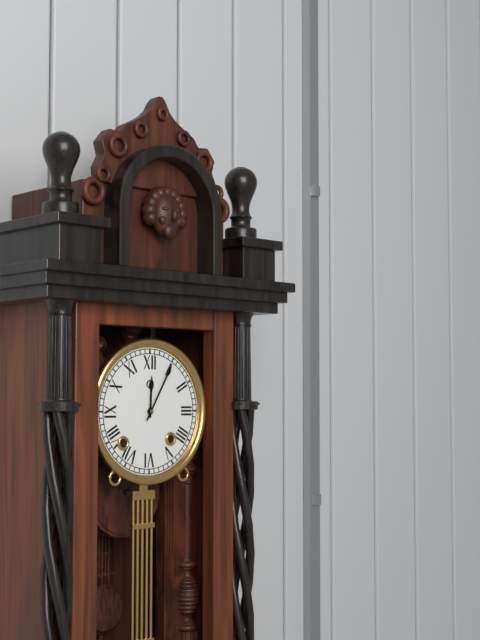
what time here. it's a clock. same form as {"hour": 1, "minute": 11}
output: {"hour": 12, "minute": 5}
